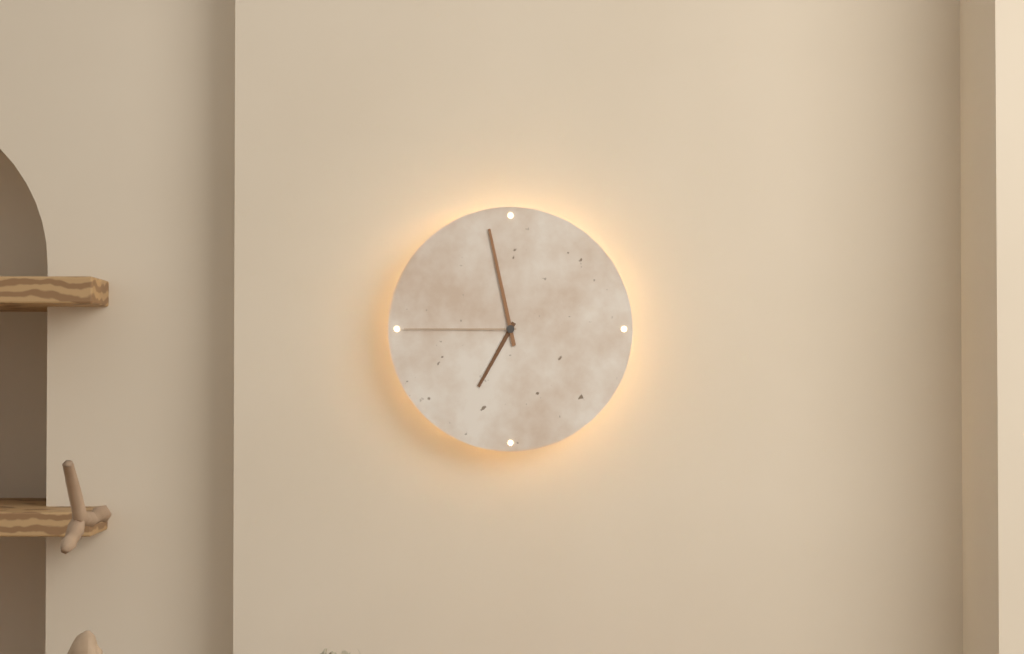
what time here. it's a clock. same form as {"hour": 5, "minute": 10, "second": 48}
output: {"hour": 6, "minute": 58, "second": 45}
